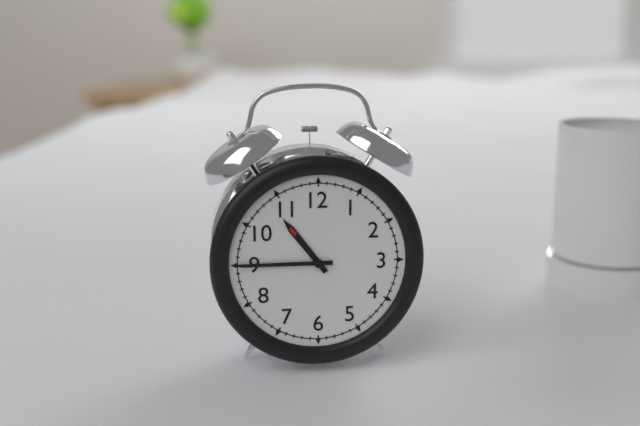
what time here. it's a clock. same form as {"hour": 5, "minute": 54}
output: {"hour": 10, "minute": 45}
